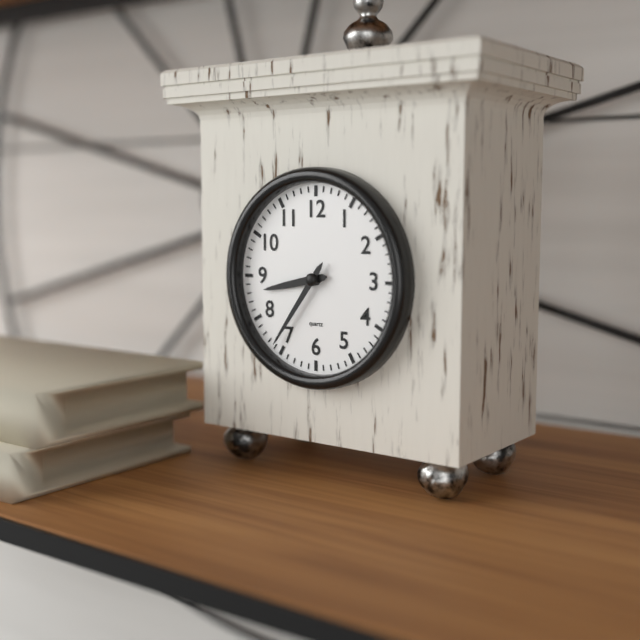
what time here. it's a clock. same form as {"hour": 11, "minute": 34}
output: {"hour": 8, "minute": 36}
